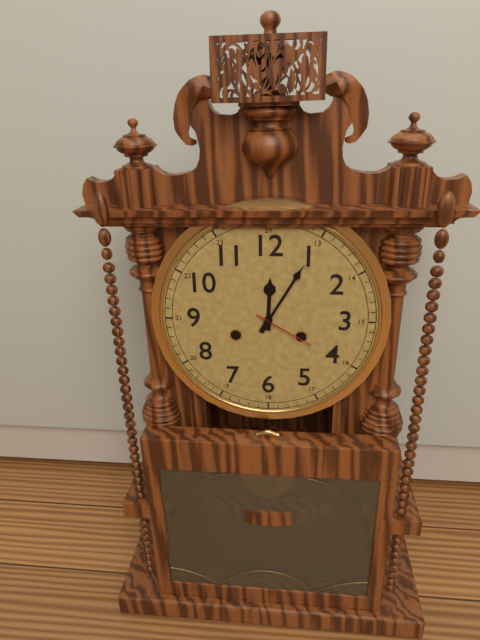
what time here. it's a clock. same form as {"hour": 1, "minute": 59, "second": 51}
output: {"hour": 12, "minute": 5, "second": 20}
